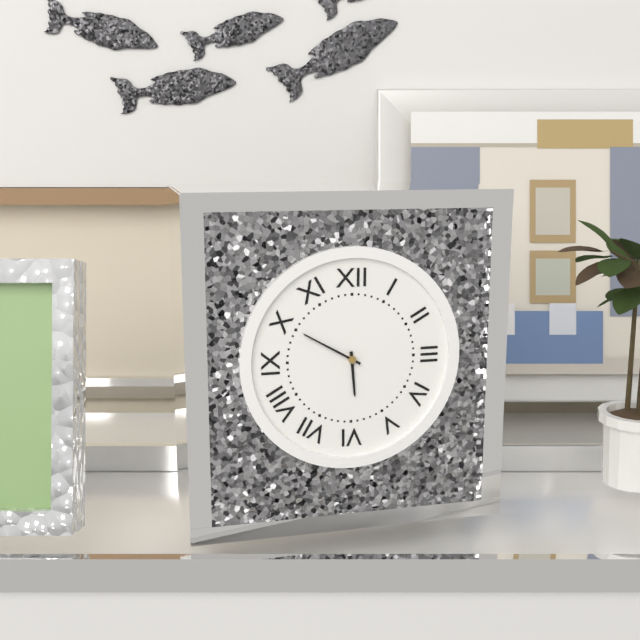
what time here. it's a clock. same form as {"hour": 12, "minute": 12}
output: {"hour": 5, "minute": 50}
